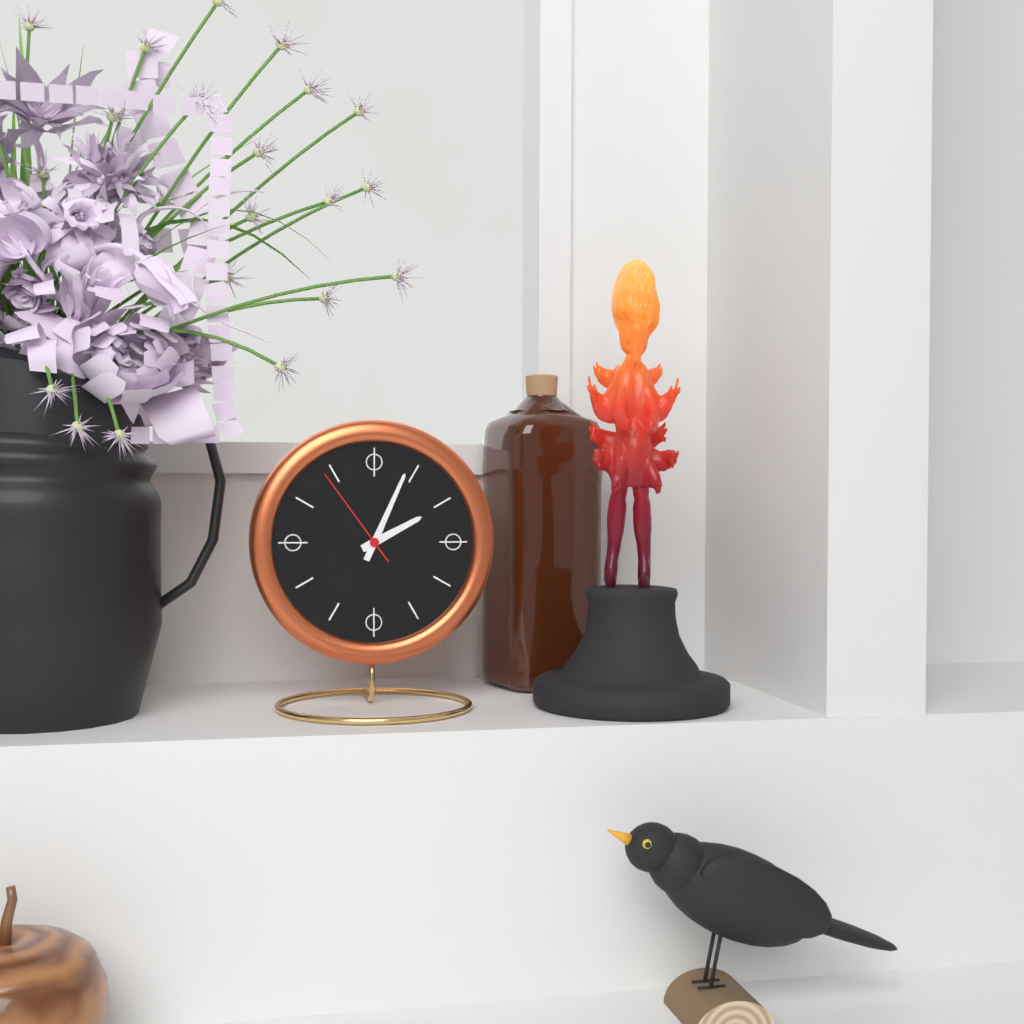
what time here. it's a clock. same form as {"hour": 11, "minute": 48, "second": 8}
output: {"hour": 2, "minute": 4, "second": 54}
